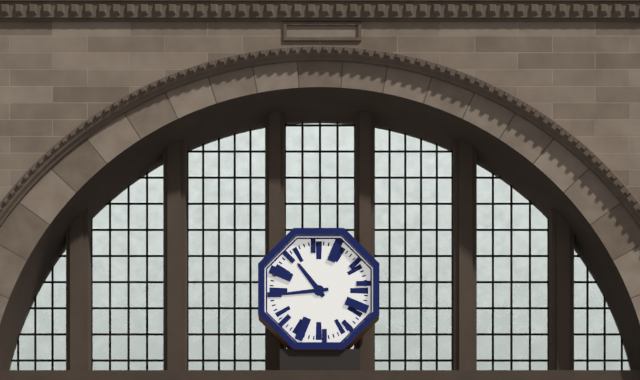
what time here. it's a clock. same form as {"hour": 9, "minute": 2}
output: {"hour": 10, "minute": 44}
